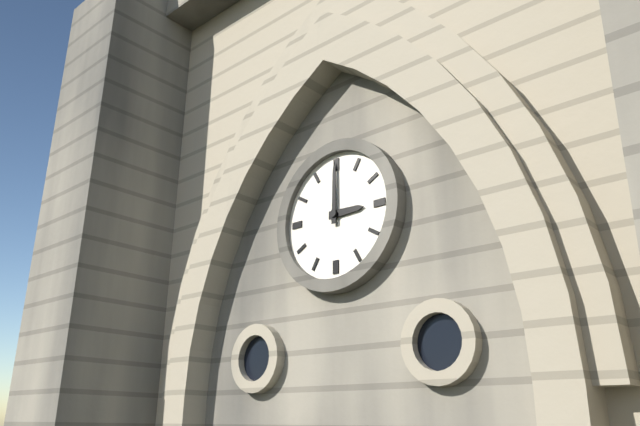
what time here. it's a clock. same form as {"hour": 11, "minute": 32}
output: {"hour": 3, "minute": 0}
